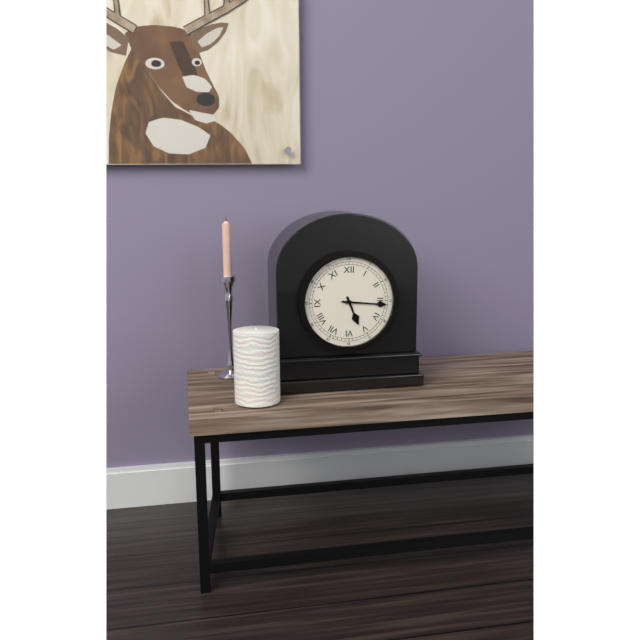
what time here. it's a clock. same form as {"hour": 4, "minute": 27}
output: {"hour": 5, "minute": 16}
